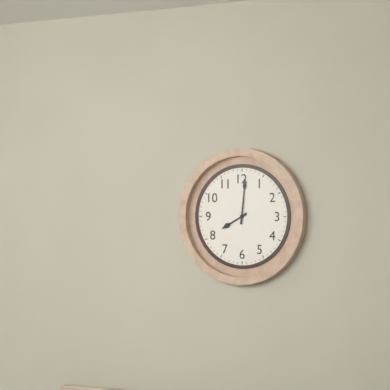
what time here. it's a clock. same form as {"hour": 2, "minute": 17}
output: {"hour": 8, "minute": 1}
